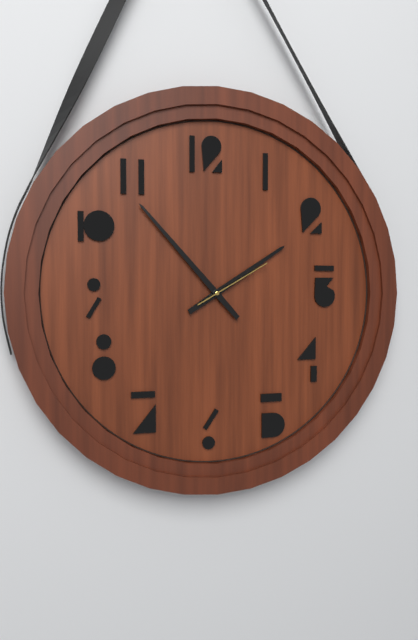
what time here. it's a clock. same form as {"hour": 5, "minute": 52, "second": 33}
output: {"hour": 1, "minute": 53, "second": 10}
